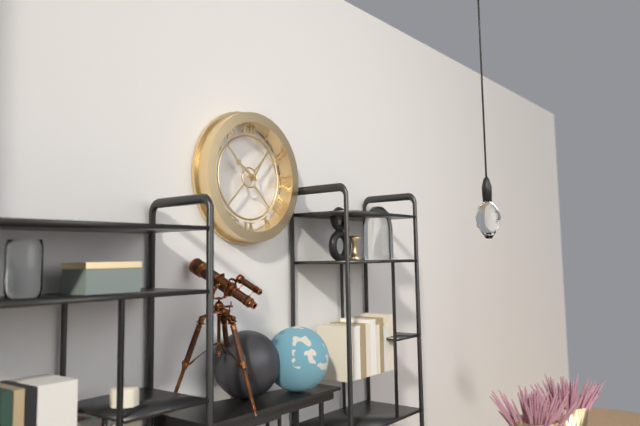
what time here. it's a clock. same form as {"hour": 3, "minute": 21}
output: {"hour": 10, "minute": 6}
